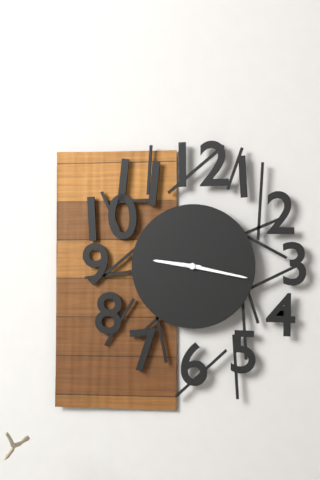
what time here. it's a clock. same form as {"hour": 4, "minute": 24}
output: {"hour": 9, "minute": 17}
